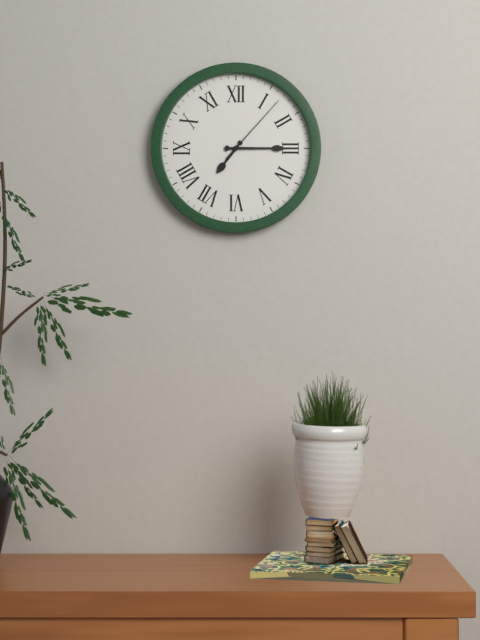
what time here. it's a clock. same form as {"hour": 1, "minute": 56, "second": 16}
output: {"hour": 7, "minute": 15, "second": 7}
